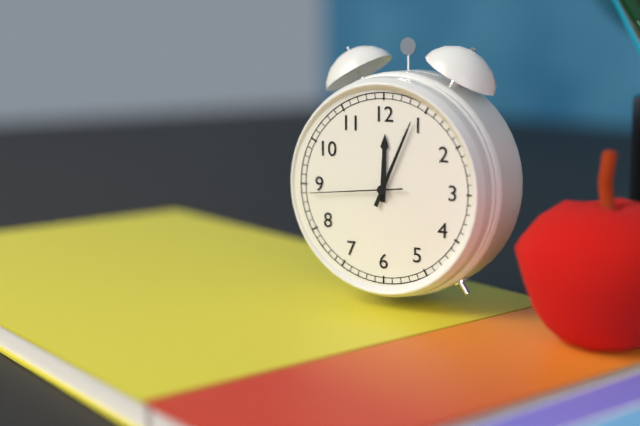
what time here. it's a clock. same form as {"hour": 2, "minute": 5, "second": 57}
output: {"hour": 12, "minute": 4, "second": 44}
